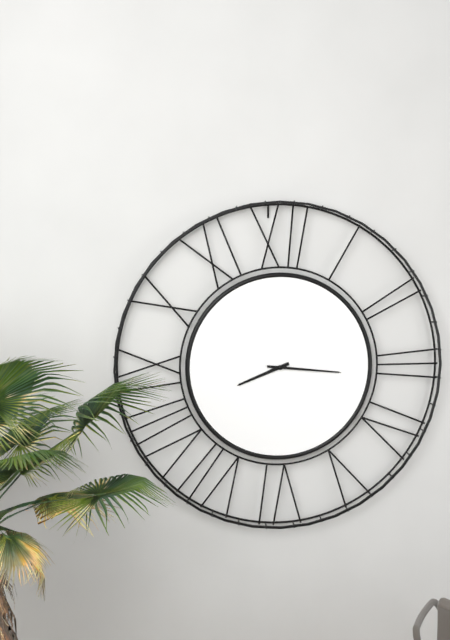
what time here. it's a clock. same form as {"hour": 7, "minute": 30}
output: {"hour": 8, "minute": 16}
